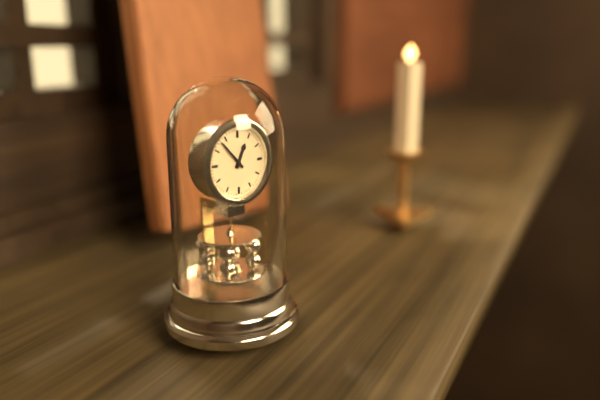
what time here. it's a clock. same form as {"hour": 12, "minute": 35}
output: {"hour": 12, "minute": 53}
